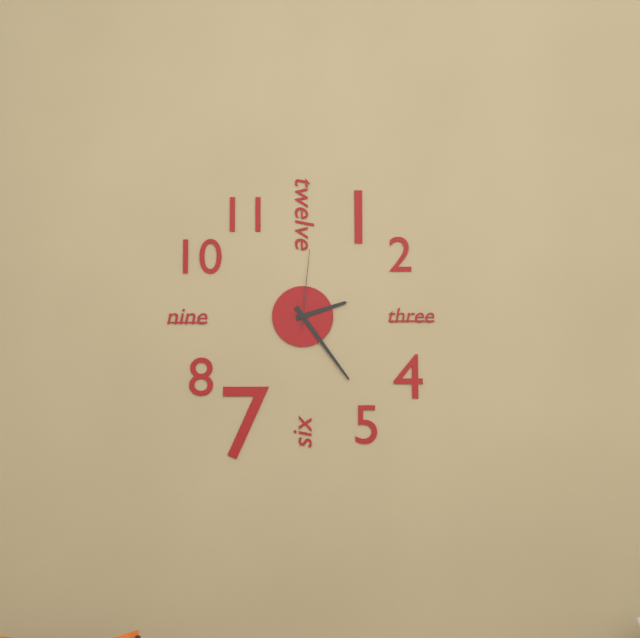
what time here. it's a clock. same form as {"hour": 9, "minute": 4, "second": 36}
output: {"hour": 2, "minute": 24, "second": 1}
